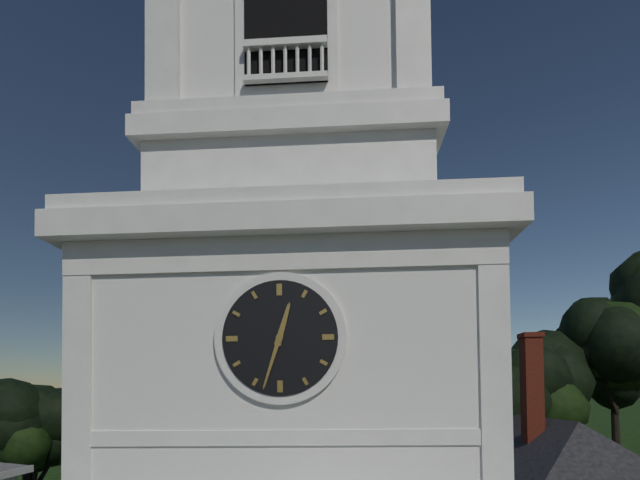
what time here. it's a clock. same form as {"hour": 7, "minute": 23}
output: {"hour": 12, "minute": 33}
